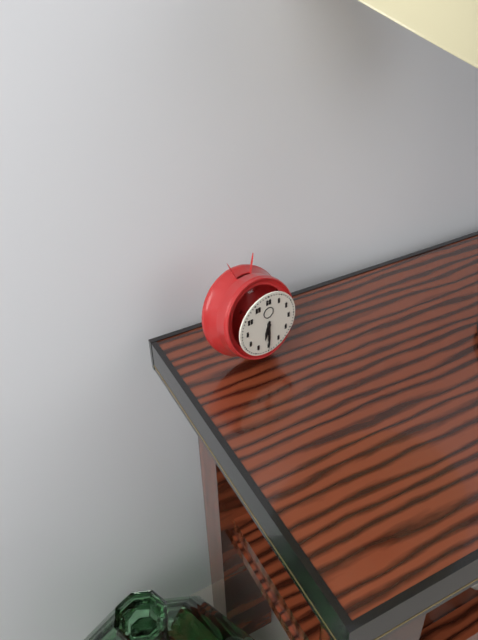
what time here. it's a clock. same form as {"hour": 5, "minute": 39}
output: {"hour": 6, "minute": 30}
